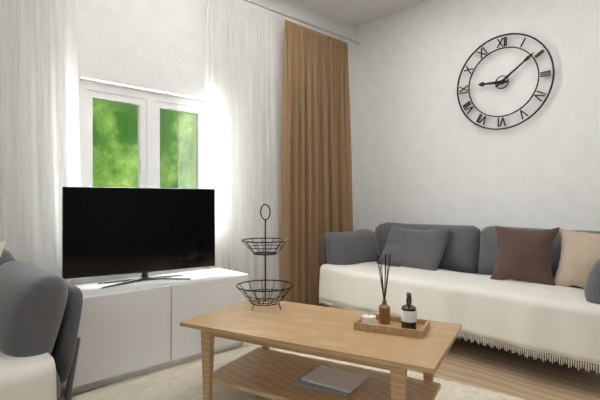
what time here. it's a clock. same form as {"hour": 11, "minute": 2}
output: {"hour": 9, "minute": 9}
